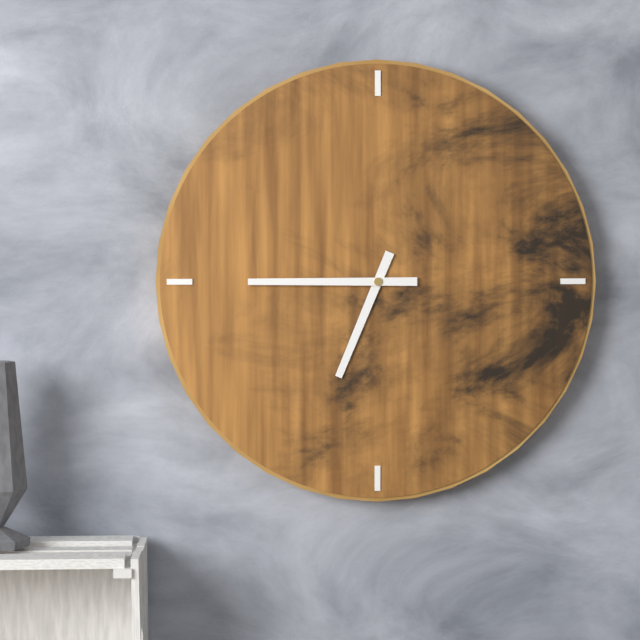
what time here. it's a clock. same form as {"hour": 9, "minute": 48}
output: {"hour": 6, "minute": 45}
